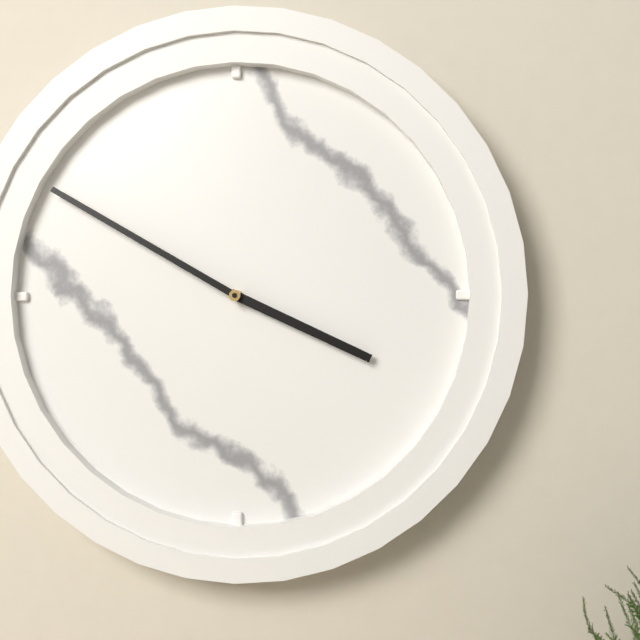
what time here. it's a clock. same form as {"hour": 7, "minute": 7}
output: {"hour": 3, "minute": 50}
